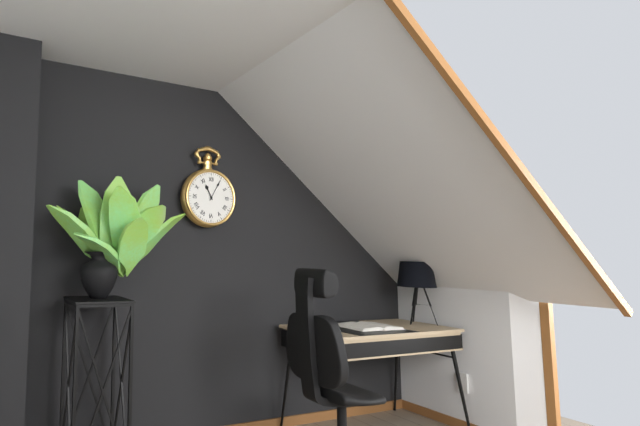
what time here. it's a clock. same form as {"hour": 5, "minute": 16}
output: {"hour": 11, "minute": 5}
